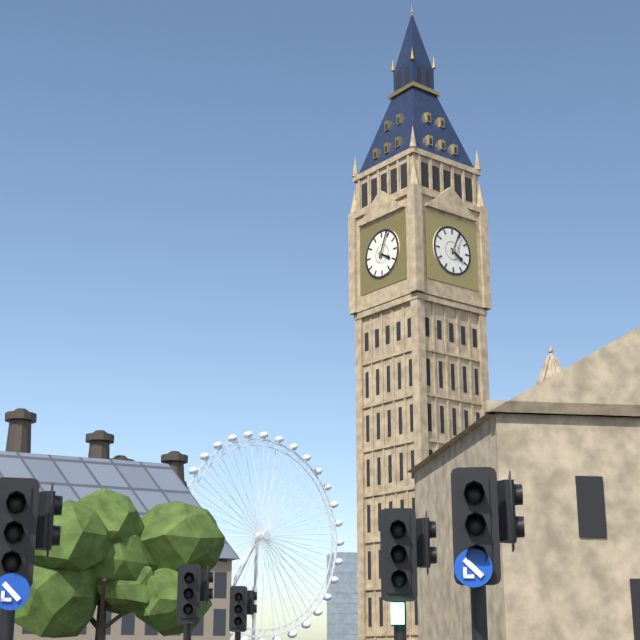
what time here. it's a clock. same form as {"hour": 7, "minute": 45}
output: {"hour": 4, "minute": 4}
